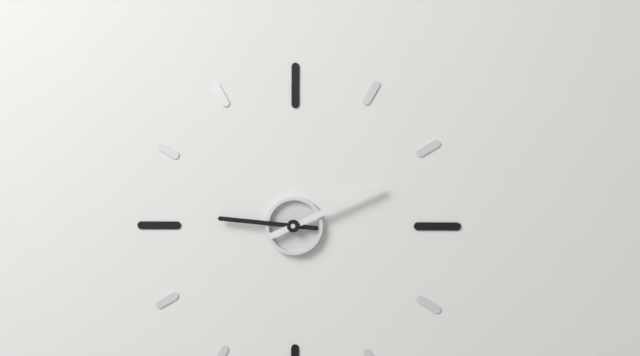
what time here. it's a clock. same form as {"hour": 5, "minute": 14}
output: {"hour": 9, "minute": 11}
